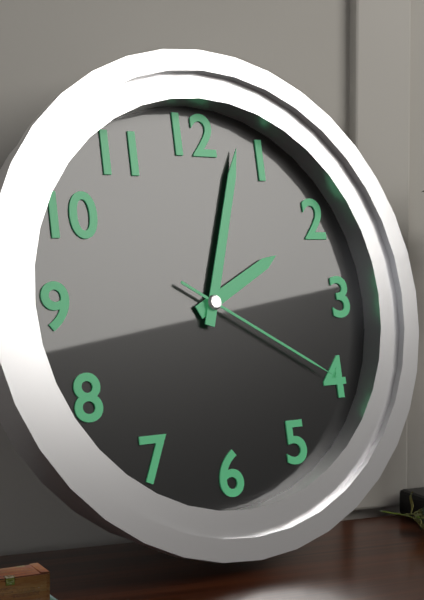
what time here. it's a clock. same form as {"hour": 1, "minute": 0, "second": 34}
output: {"hour": 2, "minute": 3, "second": 20}
